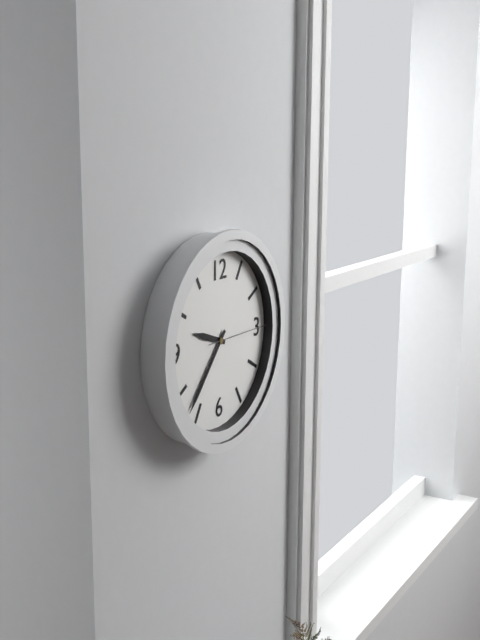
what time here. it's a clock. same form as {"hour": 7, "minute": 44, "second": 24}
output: {"hour": 9, "minute": 37, "second": 15}
